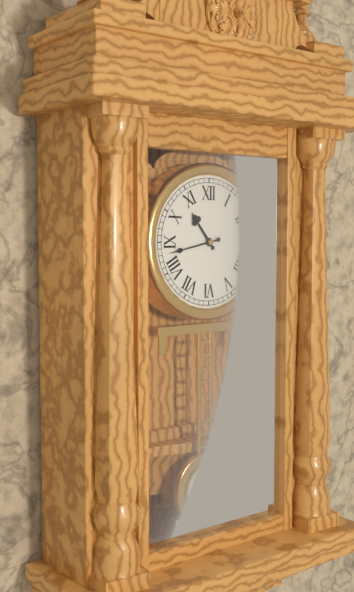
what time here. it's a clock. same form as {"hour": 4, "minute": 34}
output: {"hour": 10, "minute": 43}
